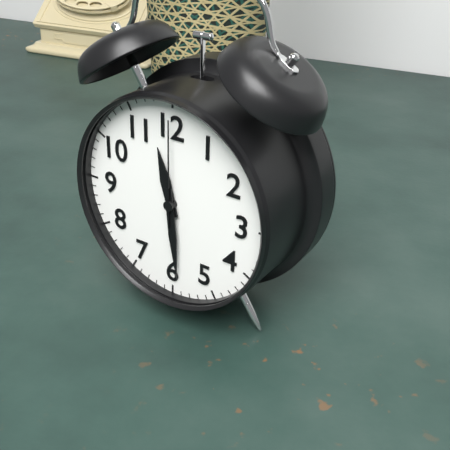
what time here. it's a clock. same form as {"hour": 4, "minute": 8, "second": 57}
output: {"hour": 11, "minute": 29, "second": 0}
